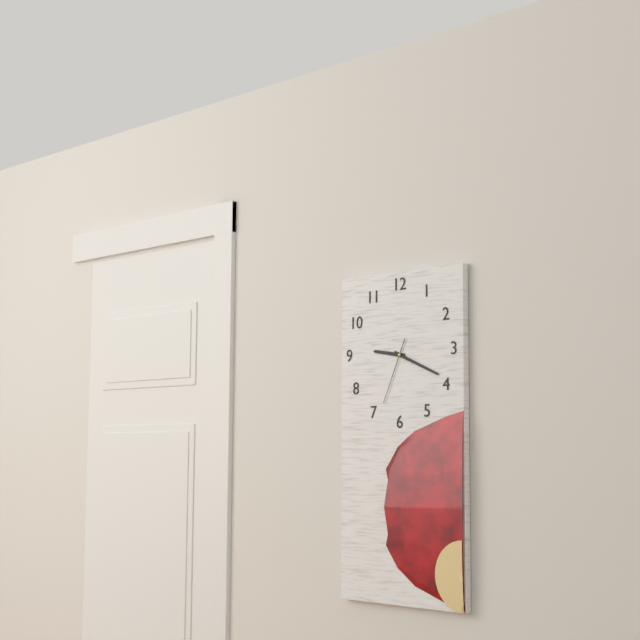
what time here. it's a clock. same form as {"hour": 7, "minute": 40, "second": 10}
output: {"hour": 9, "minute": 19, "second": 34}
